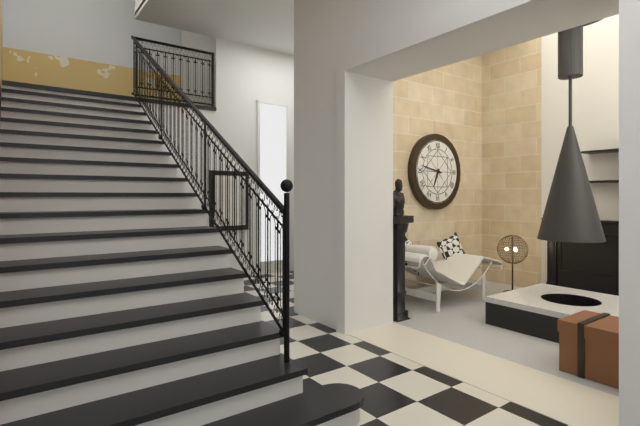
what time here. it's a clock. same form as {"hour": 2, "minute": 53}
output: {"hour": 6, "minute": 47}
